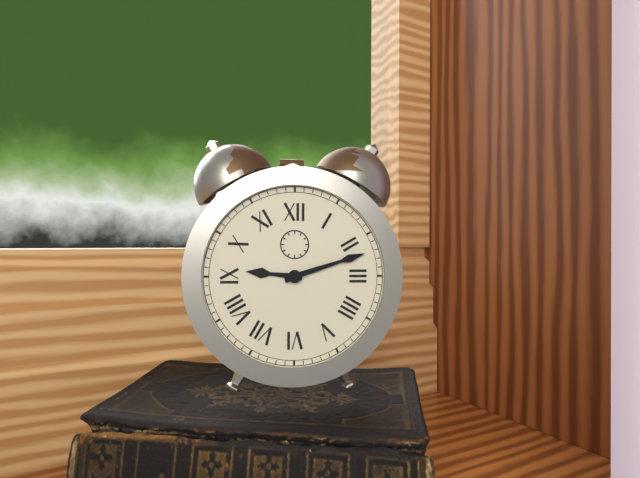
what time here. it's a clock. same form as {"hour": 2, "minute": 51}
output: {"hour": 9, "minute": 12}
